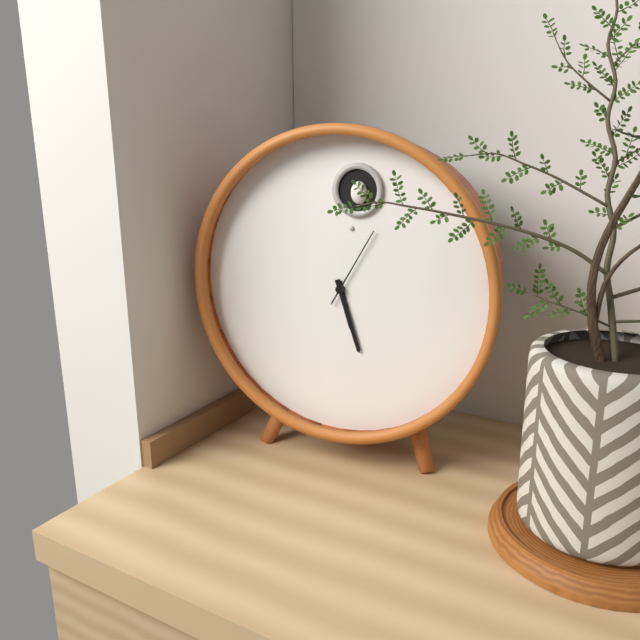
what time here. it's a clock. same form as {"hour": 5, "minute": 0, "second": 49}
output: {"hour": 5, "minute": 27, "second": 5}
